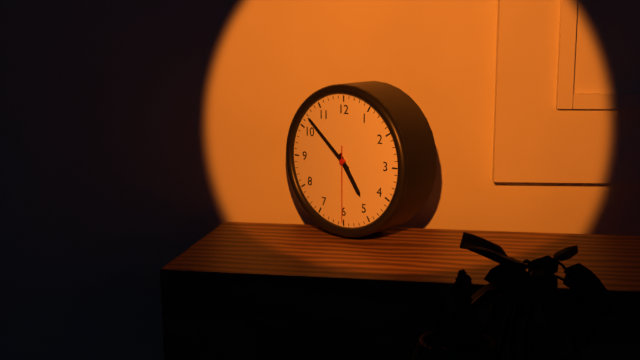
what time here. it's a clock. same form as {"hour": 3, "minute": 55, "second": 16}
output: {"hour": 4, "minute": 52, "second": 30}
